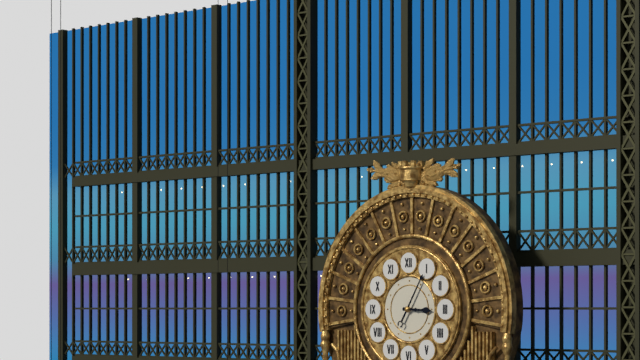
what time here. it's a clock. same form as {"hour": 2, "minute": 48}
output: {"hour": 3, "minute": 5}
